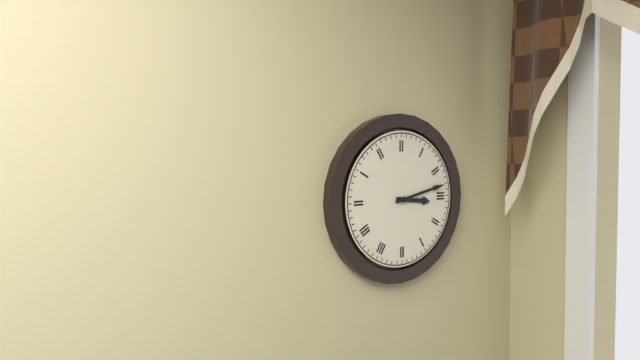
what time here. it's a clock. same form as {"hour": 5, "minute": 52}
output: {"hour": 3, "minute": 13}
